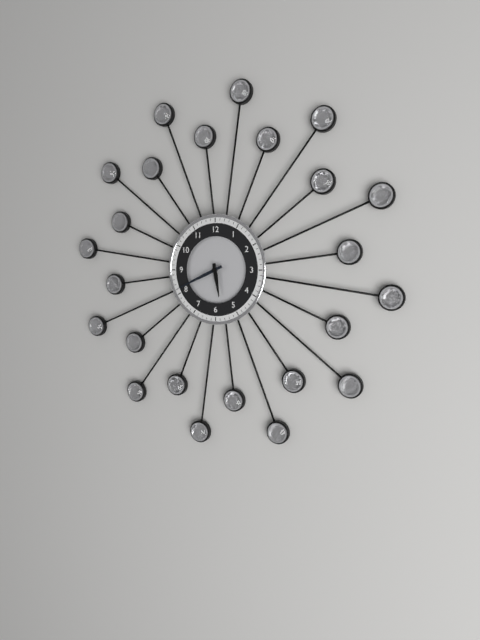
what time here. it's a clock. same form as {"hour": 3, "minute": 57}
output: {"hour": 5, "minute": 41}
